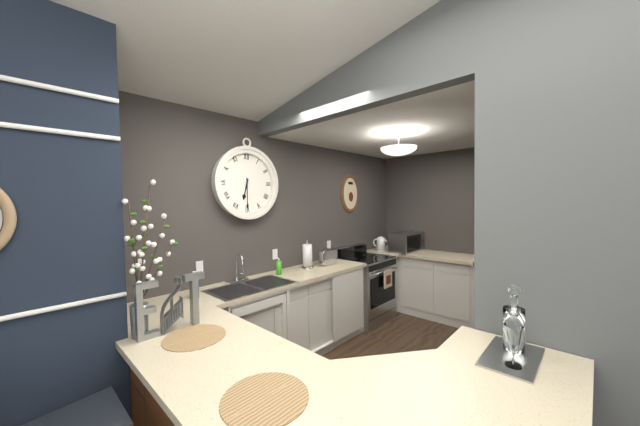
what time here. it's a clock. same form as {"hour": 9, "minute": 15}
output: {"hour": 6, "minute": 30}
